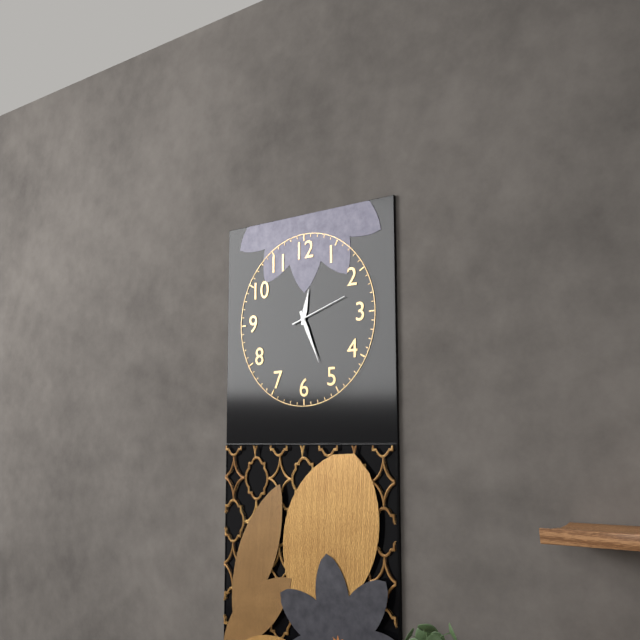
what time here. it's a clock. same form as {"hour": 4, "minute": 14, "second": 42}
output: {"hour": 12, "minute": 26, "second": 12}
